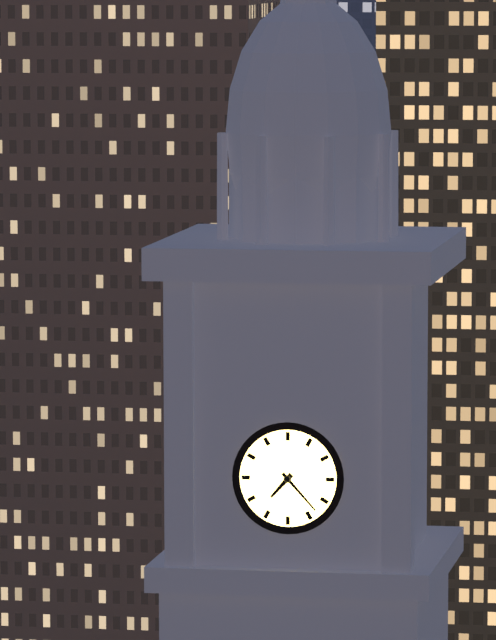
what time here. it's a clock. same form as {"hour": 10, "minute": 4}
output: {"hour": 7, "minute": 23}
